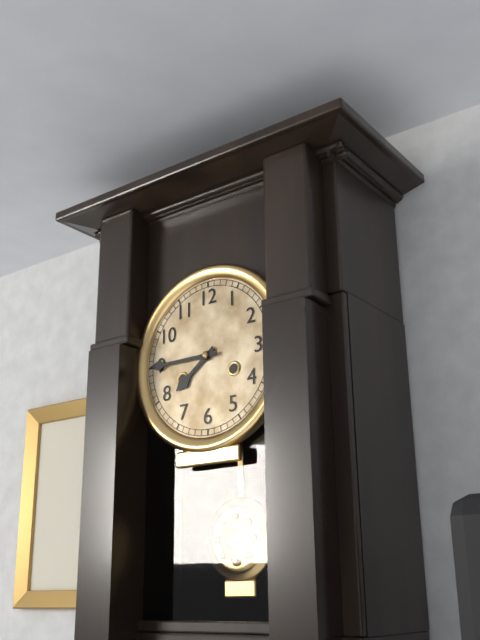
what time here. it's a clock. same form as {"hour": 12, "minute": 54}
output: {"hour": 7, "minute": 45}
